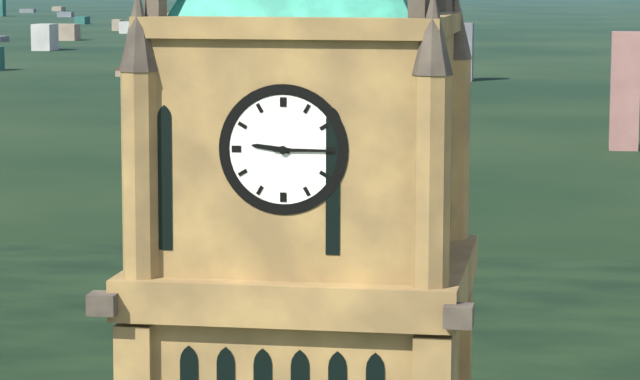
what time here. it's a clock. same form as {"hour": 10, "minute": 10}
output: {"hour": 9, "minute": 15}
